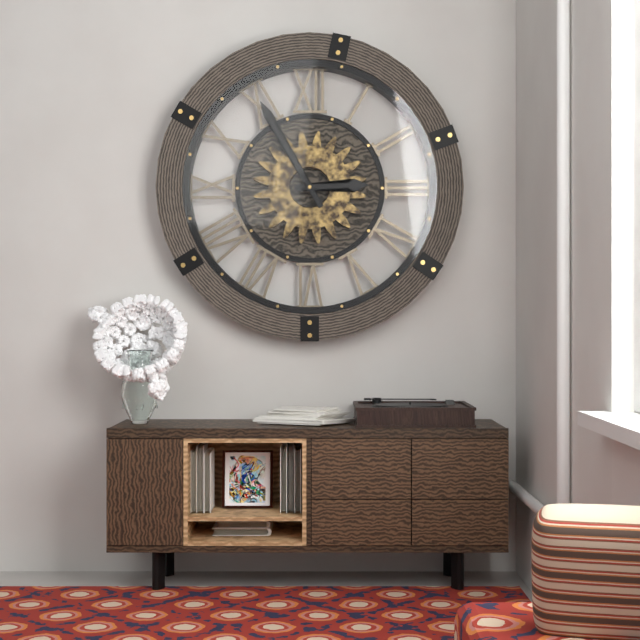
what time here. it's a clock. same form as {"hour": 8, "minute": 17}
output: {"hour": 2, "minute": 55}
